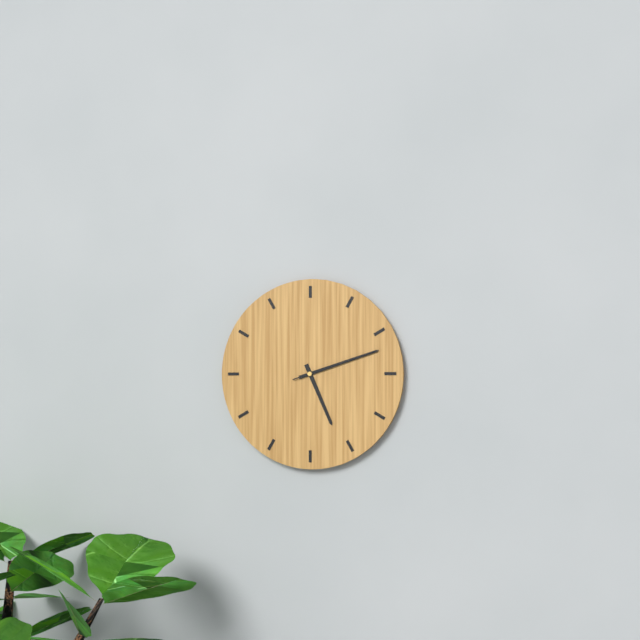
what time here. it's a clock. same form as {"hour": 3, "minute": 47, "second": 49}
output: {"hour": 5, "minute": 12, "second": 12}
